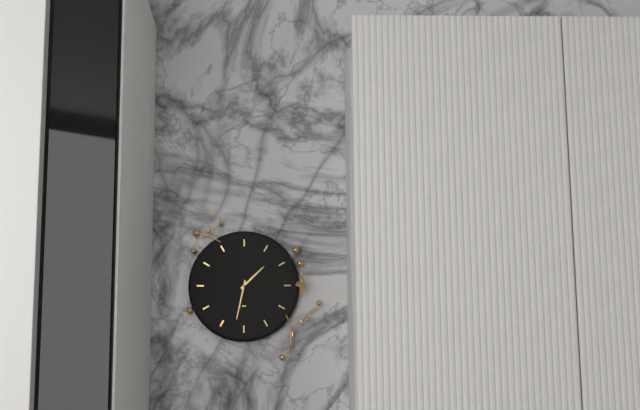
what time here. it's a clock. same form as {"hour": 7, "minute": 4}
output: {"hour": 1, "minute": 32}
